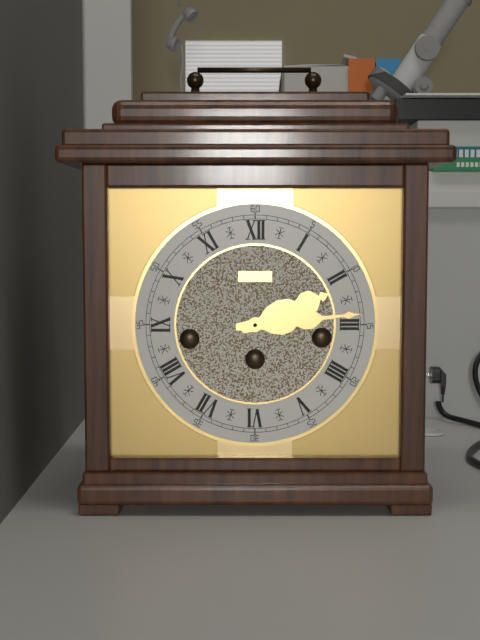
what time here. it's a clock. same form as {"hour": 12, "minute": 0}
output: {"hour": 2, "minute": 14}
